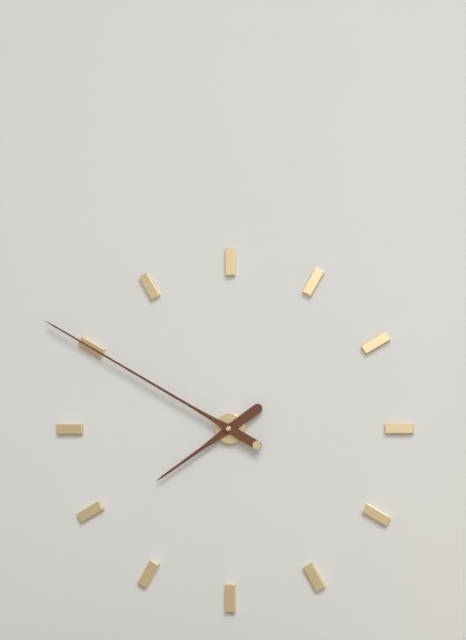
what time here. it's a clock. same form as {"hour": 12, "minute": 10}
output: {"hour": 7, "minute": 50}
